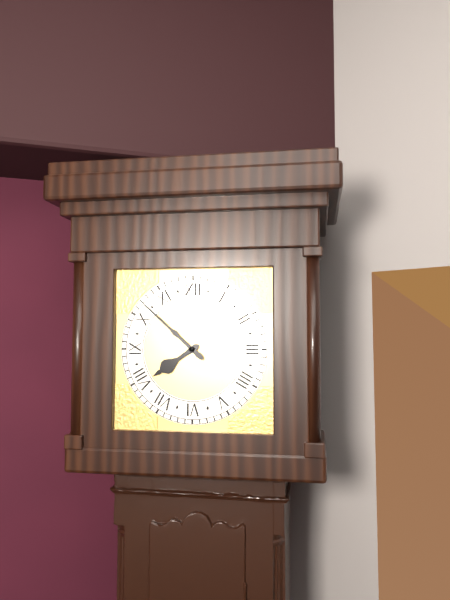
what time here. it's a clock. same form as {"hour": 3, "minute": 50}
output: {"hour": 7, "minute": 52}
